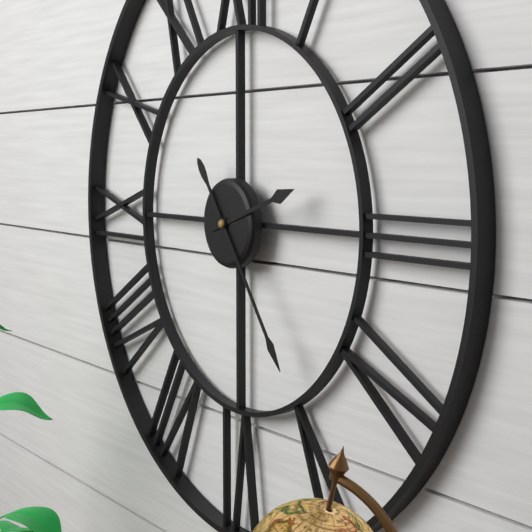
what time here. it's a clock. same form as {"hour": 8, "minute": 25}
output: {"hour": 2, "minute": 24}
